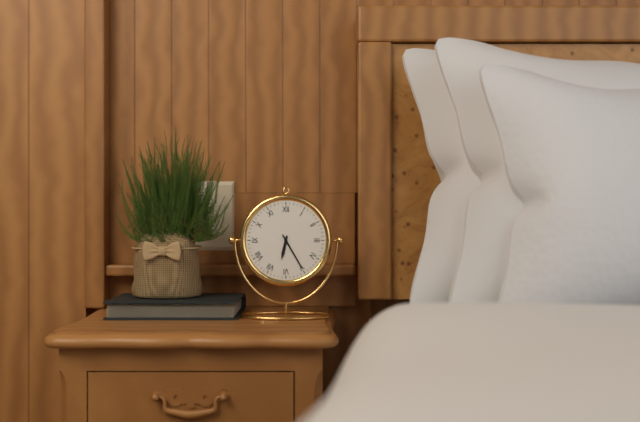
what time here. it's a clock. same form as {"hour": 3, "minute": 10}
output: {"hour": 6, "minute": 25}
